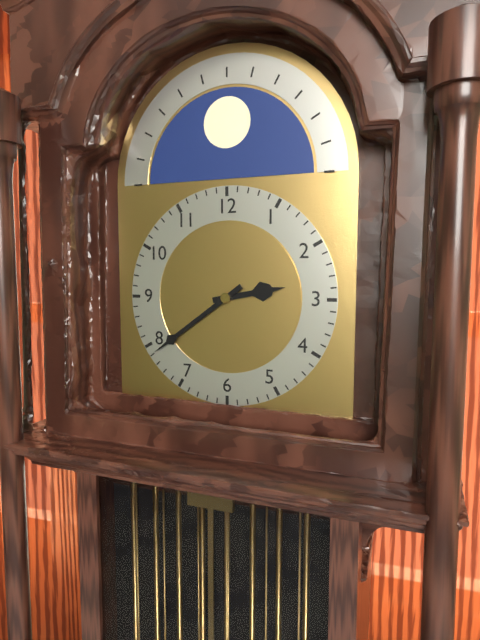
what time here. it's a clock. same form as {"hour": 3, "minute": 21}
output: {"hour": 2, "minute": 39}
